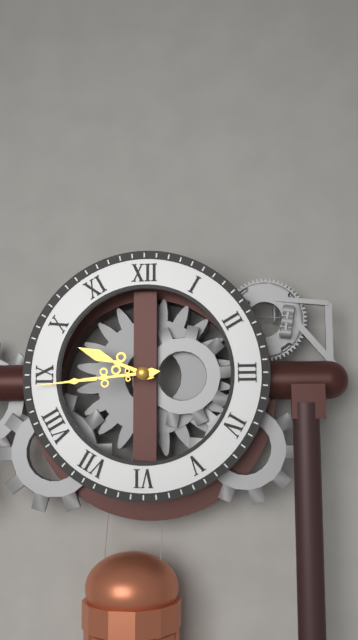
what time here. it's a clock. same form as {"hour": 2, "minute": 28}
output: {"hour": 9, "minute": 44}
